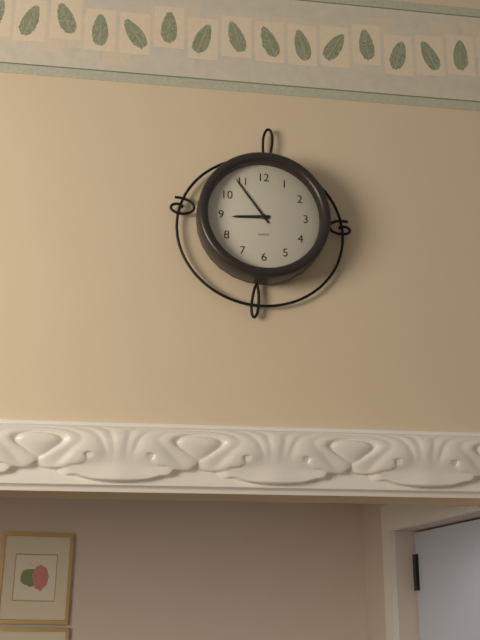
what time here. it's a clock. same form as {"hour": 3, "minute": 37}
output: {"hour": 8, "minute": 54}
